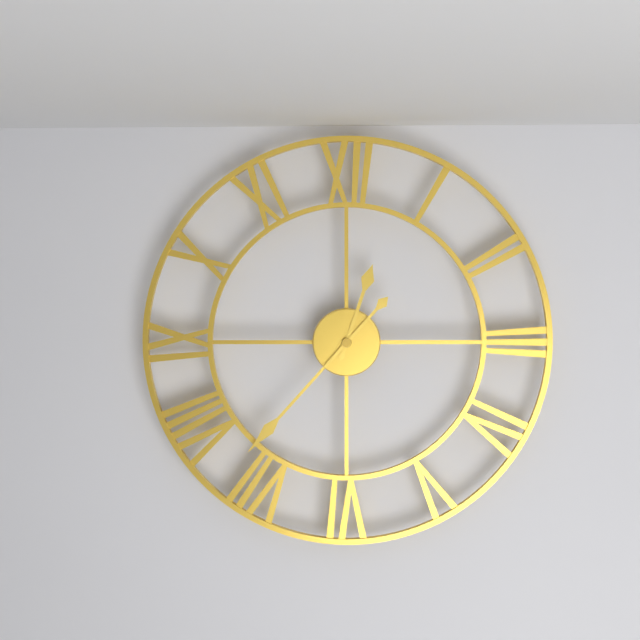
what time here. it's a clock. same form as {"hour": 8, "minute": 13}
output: {"hour": 12, "minute": 37}
